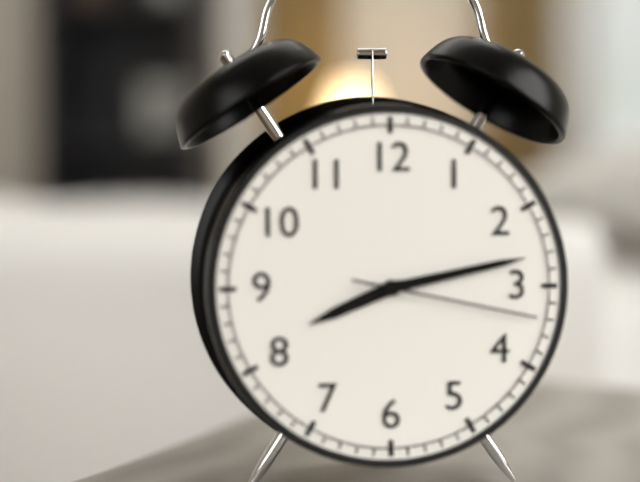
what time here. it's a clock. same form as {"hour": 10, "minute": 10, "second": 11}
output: {"hour": 8, "minute": 13, "second": 17}
